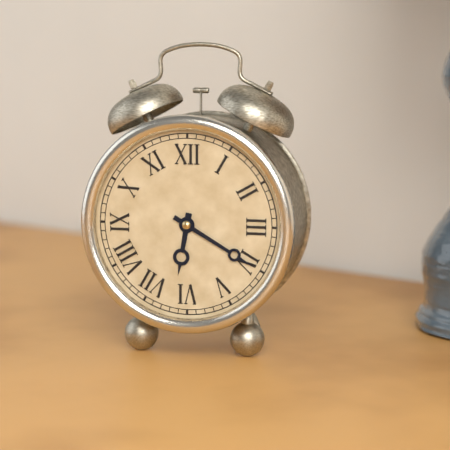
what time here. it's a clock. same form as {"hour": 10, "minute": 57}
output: {"hour": 6, "minute": 20}
